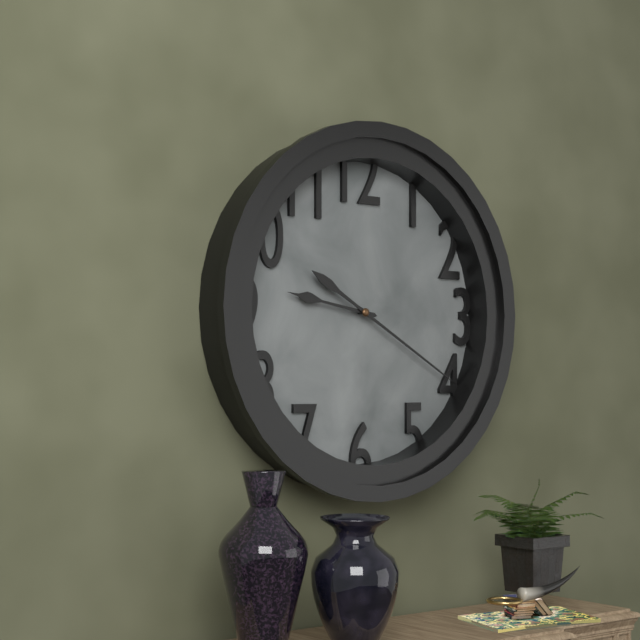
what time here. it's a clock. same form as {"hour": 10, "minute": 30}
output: {"hour": 9, "minute": 20}
